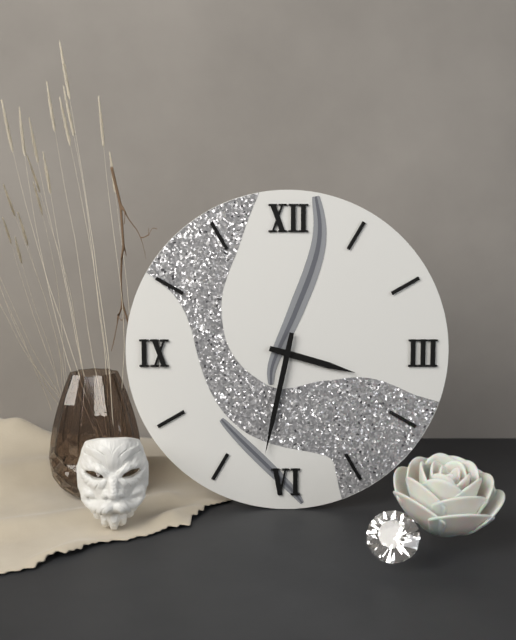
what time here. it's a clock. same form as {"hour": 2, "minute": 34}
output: {"hour": 3, "minute": 32}
